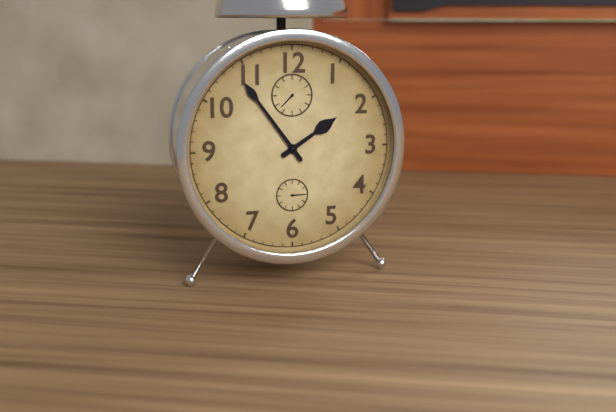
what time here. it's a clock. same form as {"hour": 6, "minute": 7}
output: {"hour": 1, "minute": 54}
